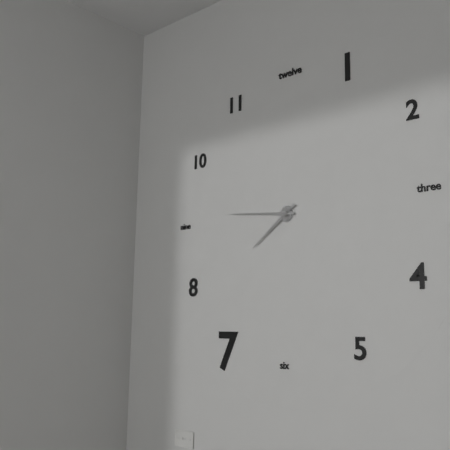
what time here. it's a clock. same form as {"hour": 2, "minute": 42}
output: {"hour": 7, "minute": 46}
